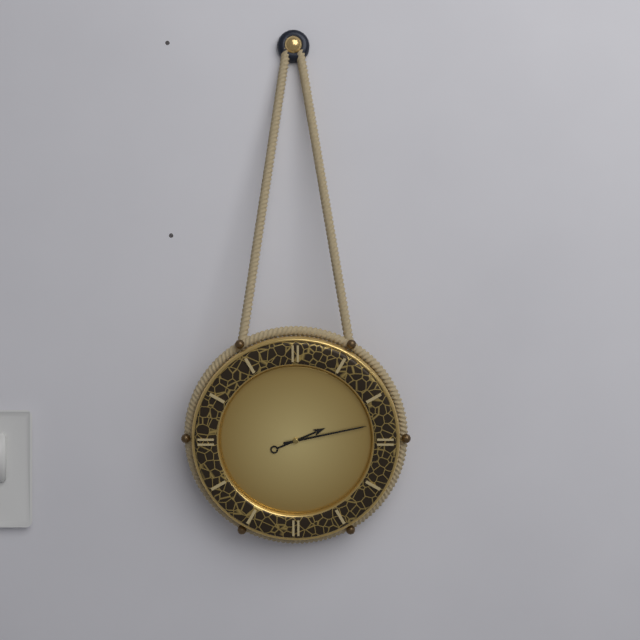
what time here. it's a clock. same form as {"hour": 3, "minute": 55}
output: {"hour": 2, "minute": 13}
